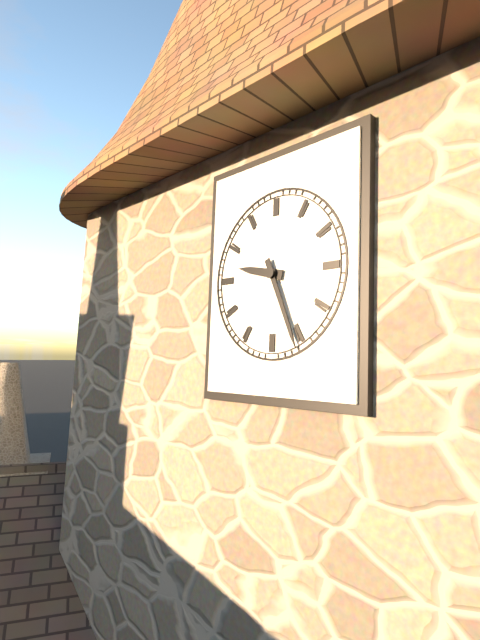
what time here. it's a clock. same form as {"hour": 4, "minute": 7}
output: {"hour": 9, "minute": 26}
